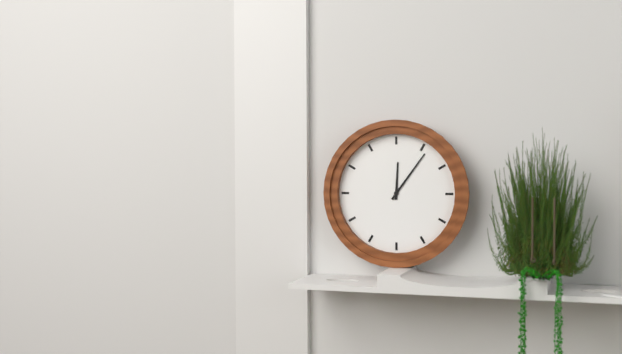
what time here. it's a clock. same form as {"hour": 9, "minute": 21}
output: {"hour": 12, "minute": 6}
